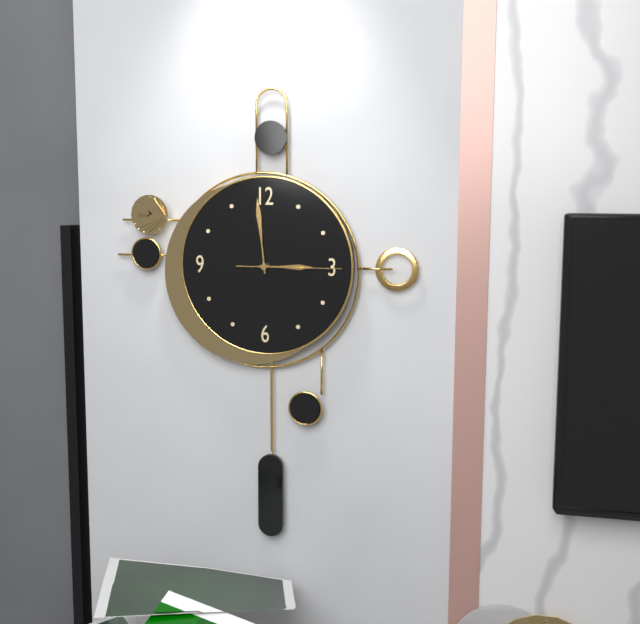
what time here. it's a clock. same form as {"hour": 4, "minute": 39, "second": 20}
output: {"hour": 2, "minute": 59, "second": 15}
